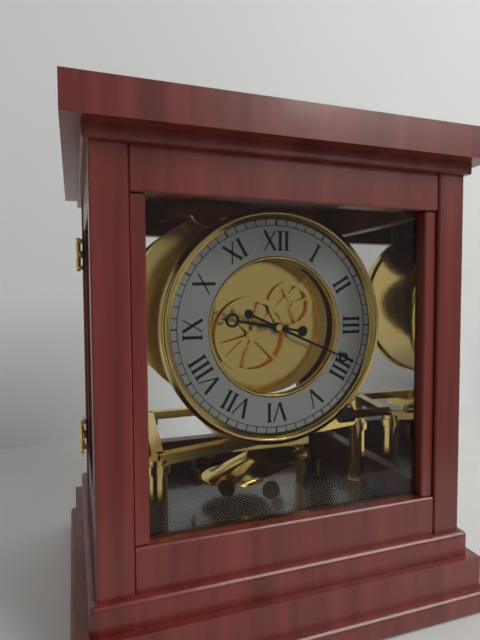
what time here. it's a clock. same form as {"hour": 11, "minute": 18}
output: {"hour": 9, "minute": 19}
